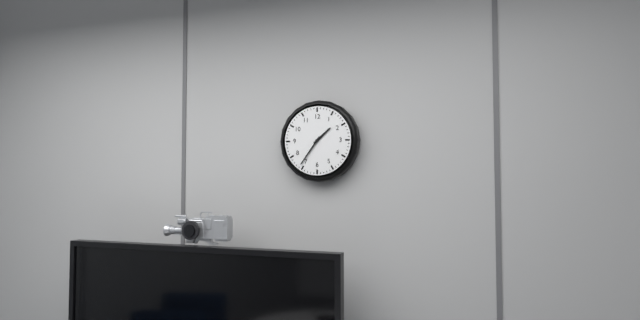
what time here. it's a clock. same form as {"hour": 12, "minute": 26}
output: {"hour": 1, "minute": 36}
